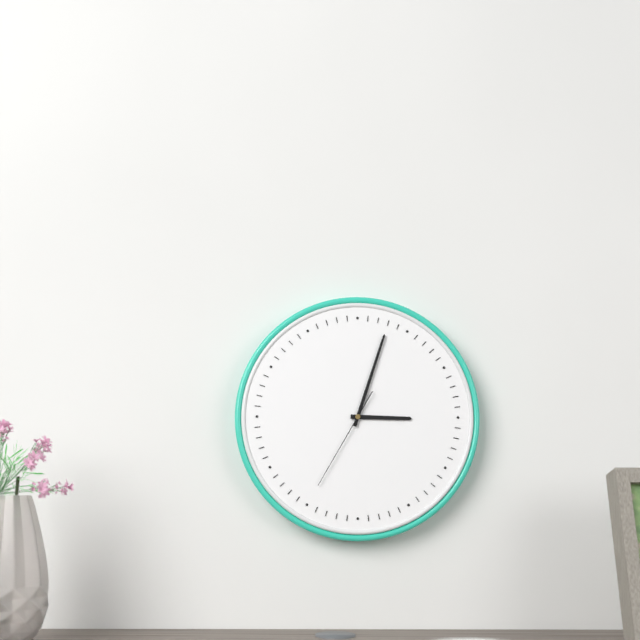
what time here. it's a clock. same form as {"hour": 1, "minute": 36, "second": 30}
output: {"hour": 3, "minute": 3, "second": 35}
